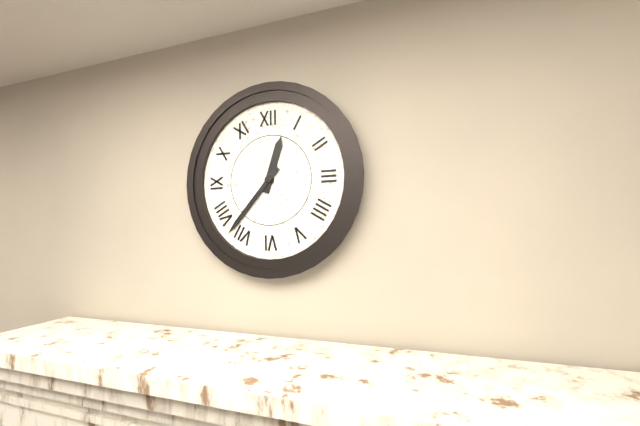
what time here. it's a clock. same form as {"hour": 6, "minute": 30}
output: {"hour": 12, "minute": 37}
